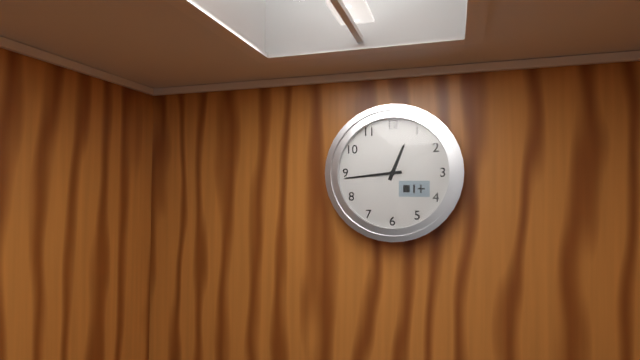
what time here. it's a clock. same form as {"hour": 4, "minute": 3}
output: {"hour": 12, "minute": 44}
